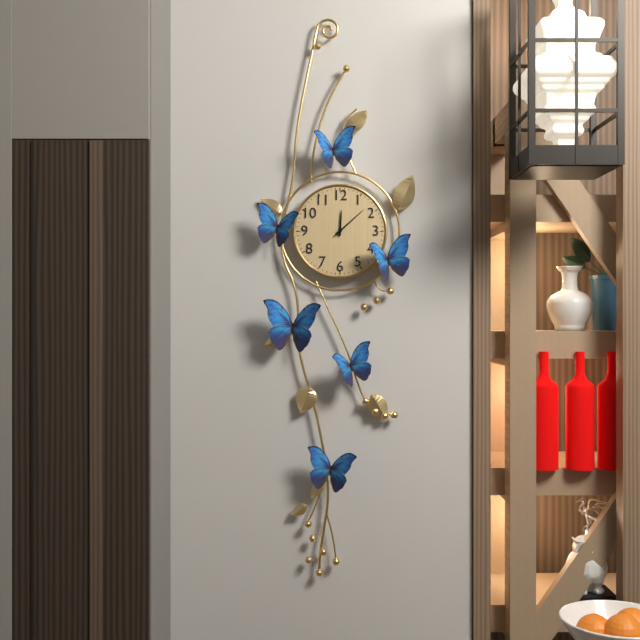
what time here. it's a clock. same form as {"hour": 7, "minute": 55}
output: {"hour": 12, "minute": 8}
